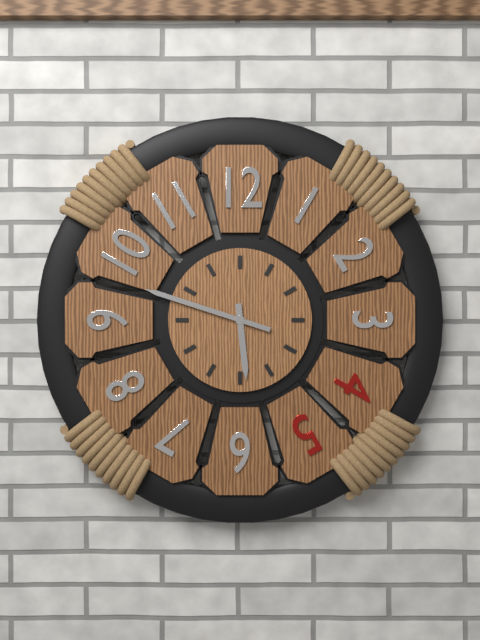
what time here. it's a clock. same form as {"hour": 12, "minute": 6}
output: {"hour": 5, "minute": 48}
